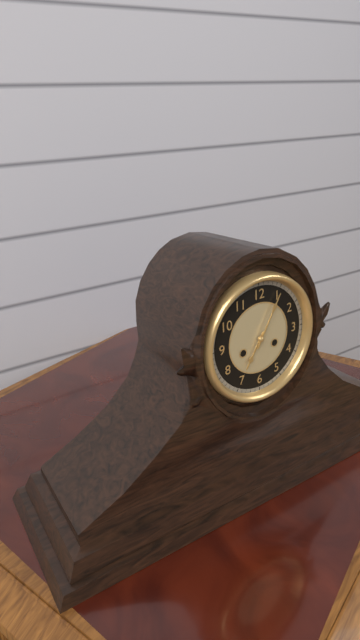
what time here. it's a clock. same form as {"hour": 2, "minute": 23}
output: {"hour": 7, "minute": 5}
